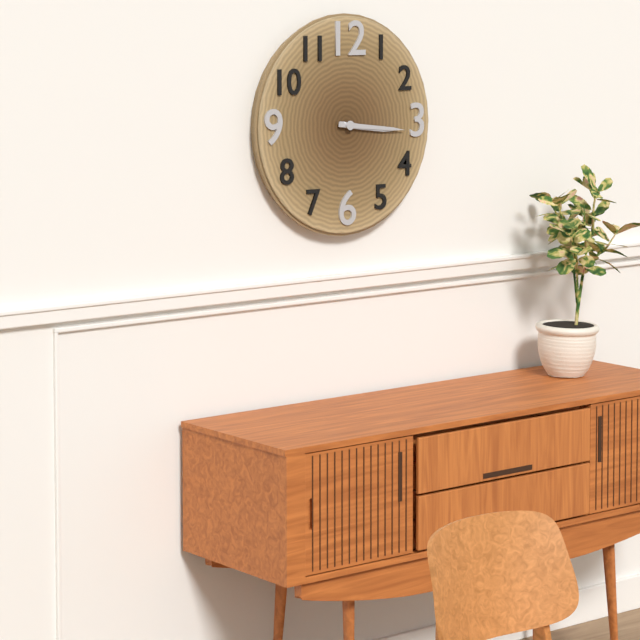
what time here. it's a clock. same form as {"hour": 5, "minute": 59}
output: {"hour": 3, "minute": 16}
